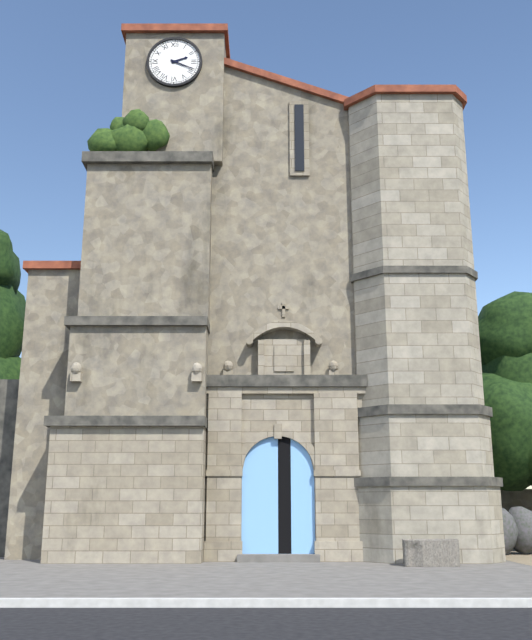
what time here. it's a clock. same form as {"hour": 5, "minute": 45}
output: {"hour": 2, "minute": 19}
